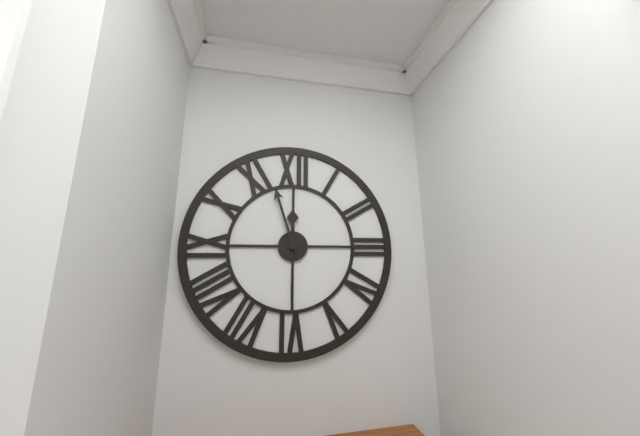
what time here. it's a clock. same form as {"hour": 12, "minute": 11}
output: {"hour": 11, "minute": 57}
